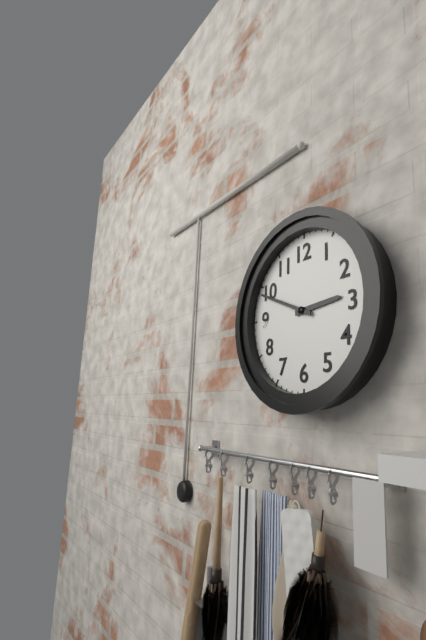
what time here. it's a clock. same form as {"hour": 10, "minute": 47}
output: {"hour": 2, "minute": 49}
